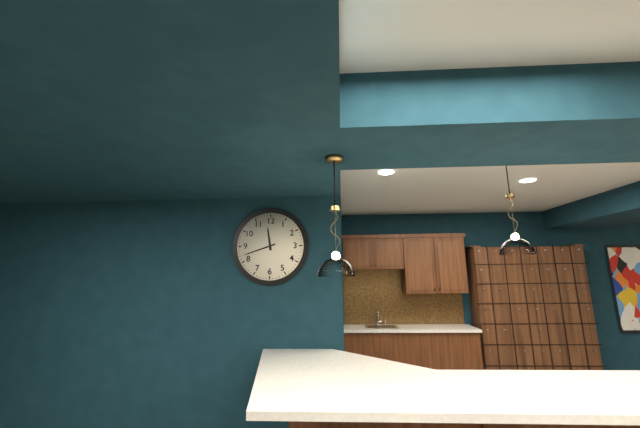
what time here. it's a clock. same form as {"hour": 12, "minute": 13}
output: {"hour": 11, "minute": 42}
